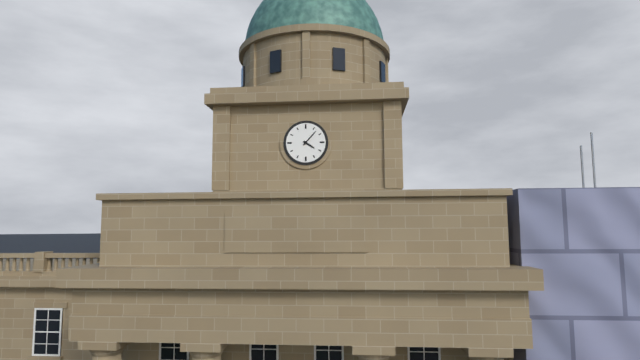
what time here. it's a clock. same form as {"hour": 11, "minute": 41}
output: {"hour": 4, "minute": 7}
